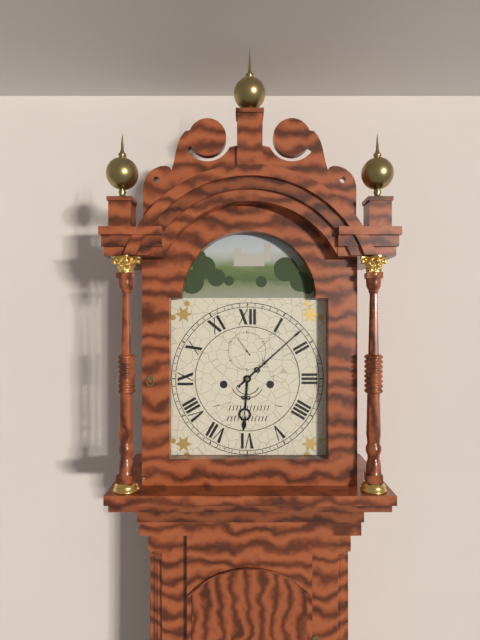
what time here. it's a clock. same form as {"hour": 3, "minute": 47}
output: {"hour": 6, "minute": 8}
